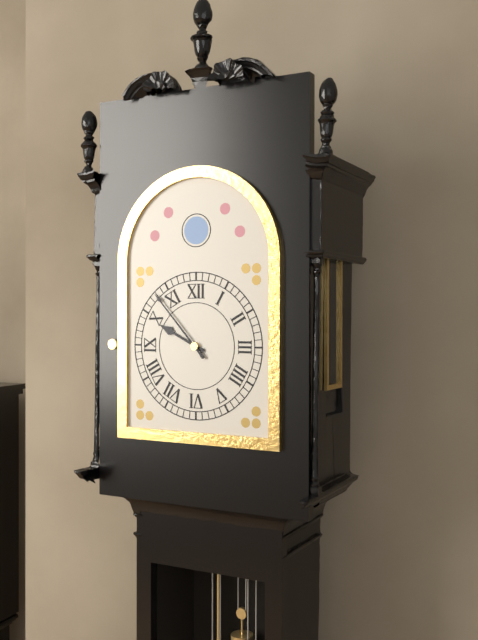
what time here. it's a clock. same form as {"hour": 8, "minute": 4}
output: {"hour": 9, "minute": 53}
